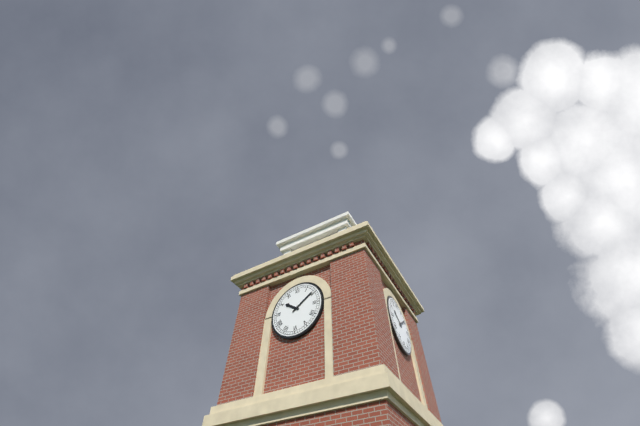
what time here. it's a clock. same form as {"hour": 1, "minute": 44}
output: {"hour": 10, "minute": 9}
